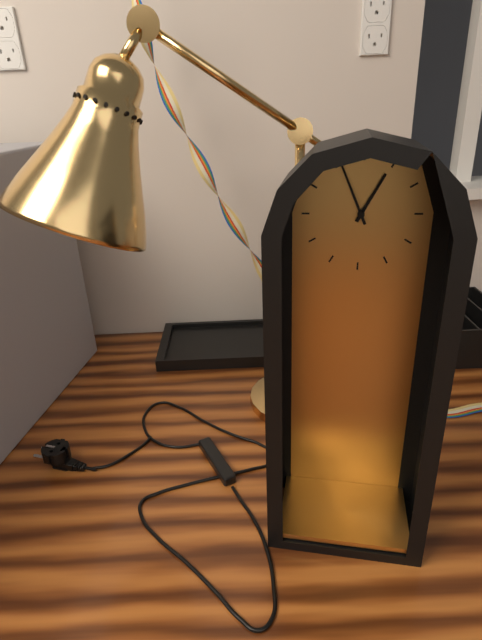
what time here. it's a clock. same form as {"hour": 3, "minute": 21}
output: {"hour": 12, "minute": 56}
